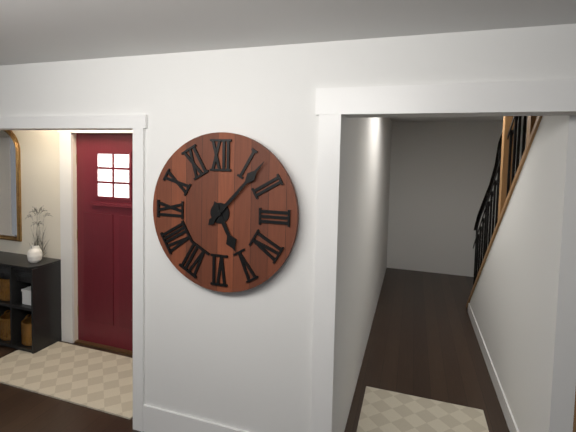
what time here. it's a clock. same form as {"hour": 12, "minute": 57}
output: {"hour": 5, "minute": 7}
